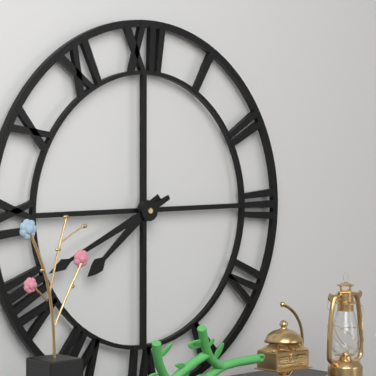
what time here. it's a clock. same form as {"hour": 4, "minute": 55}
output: {"hour": 7, "minute": 41}
